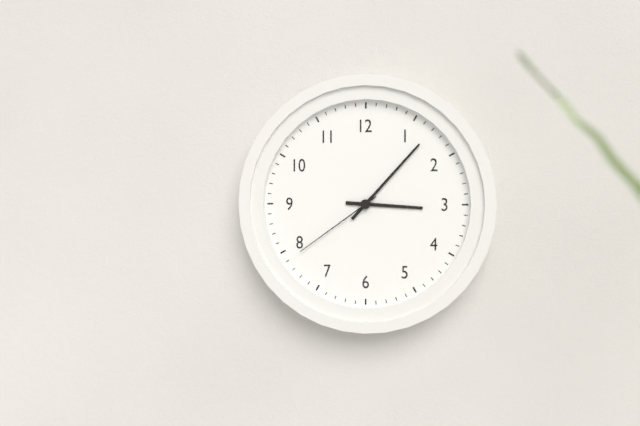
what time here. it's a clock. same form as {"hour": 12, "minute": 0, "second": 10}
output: {"hour": 3, "minute": 7, "second": 39}
